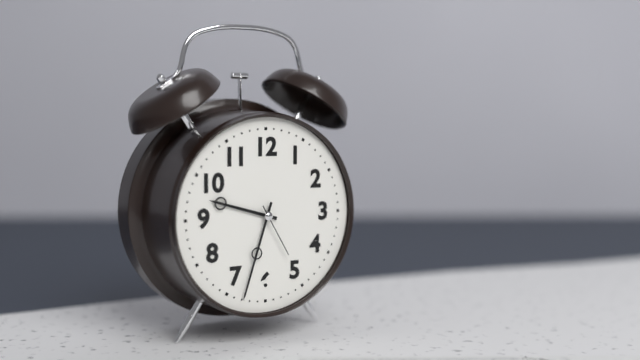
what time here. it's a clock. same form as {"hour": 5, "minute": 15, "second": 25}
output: {"hour": 9, "minute": 33, "second": 25}
